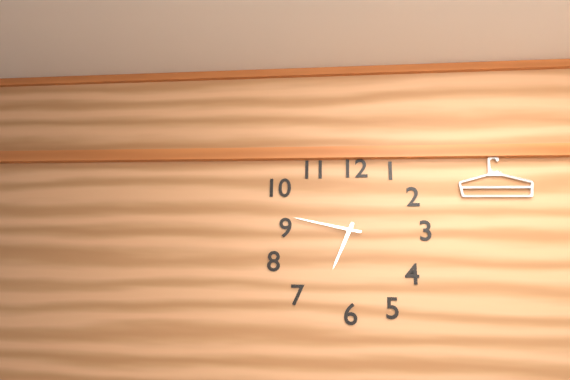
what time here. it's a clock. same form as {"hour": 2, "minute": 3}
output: {"hour": 6, "minute": 47}
